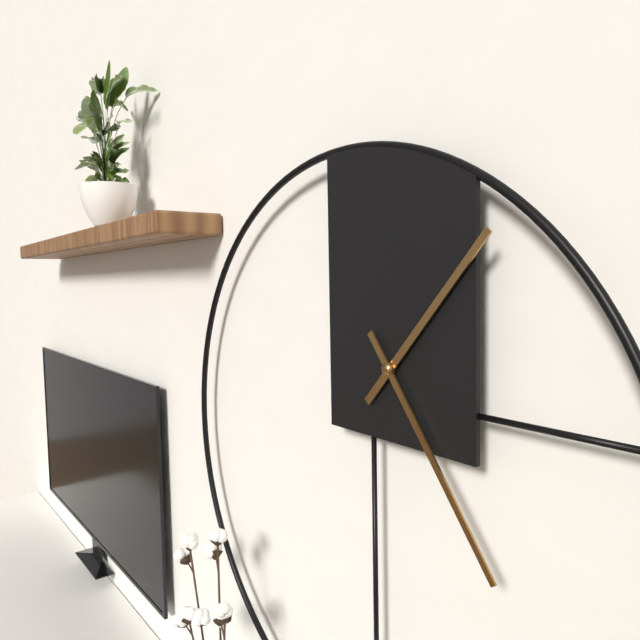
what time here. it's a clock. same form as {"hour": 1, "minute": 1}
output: {"hour": 1, "minute": 24}
